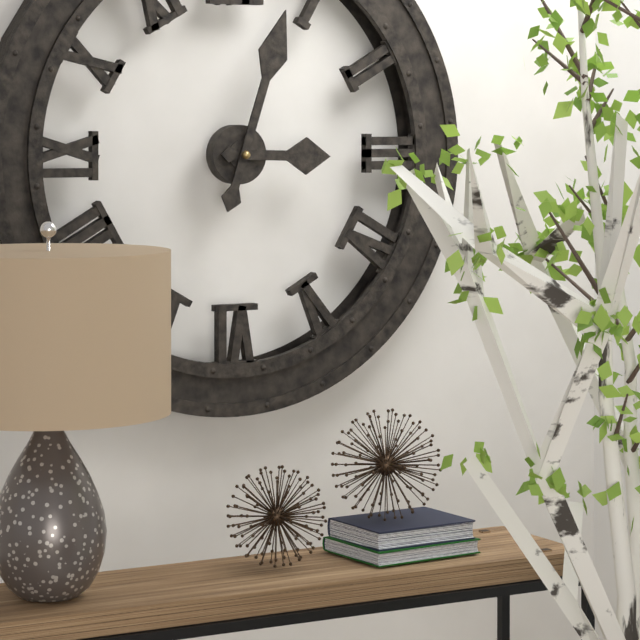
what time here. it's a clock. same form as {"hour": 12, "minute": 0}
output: {"hour": 3, "minute": 3}
